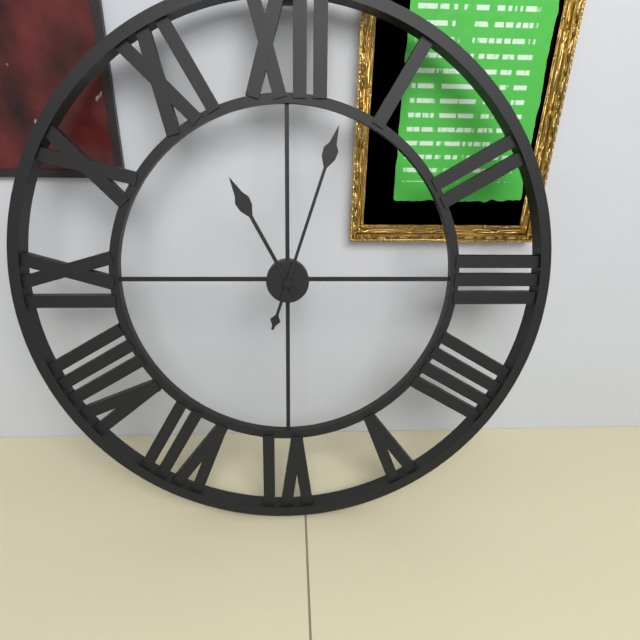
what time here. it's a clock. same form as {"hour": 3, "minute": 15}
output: {"hour": 11, "minute": 3}
